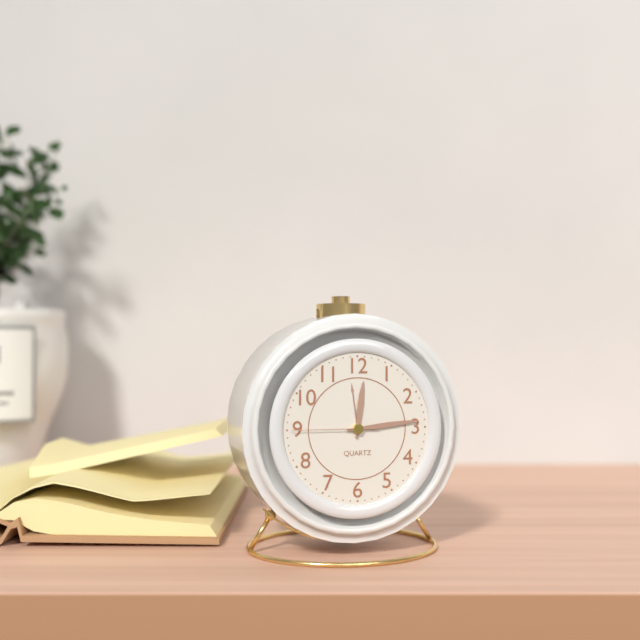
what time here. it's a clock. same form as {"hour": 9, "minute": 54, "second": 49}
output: {"hour": 12, "minute": 14, "second": 45}
